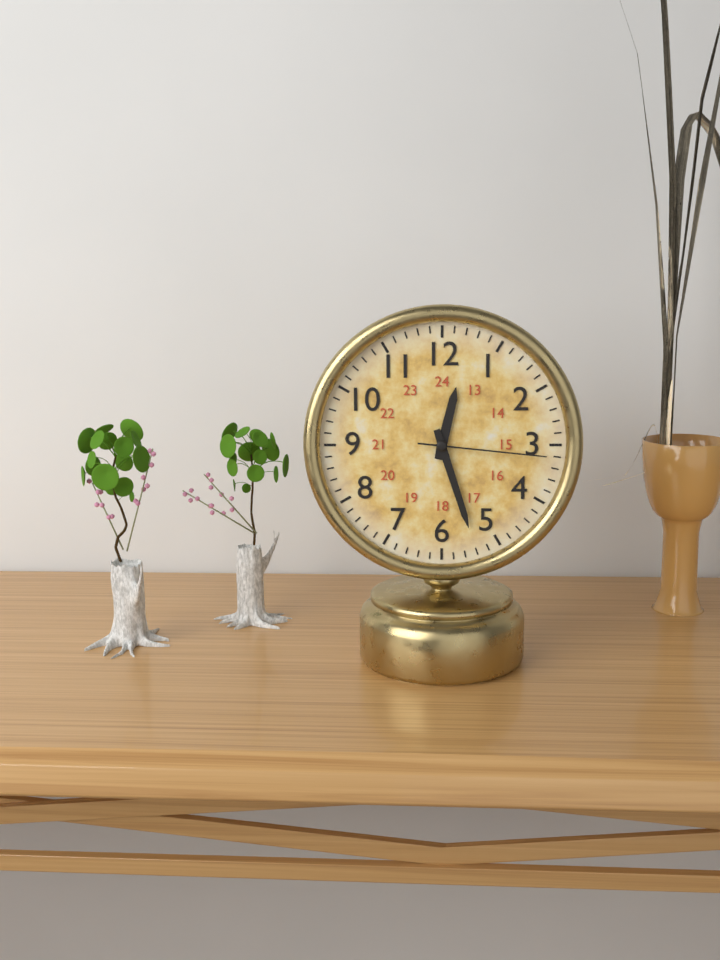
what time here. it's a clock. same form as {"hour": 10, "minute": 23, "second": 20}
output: {"hour": 12, "minute": 27, "second": 16}
